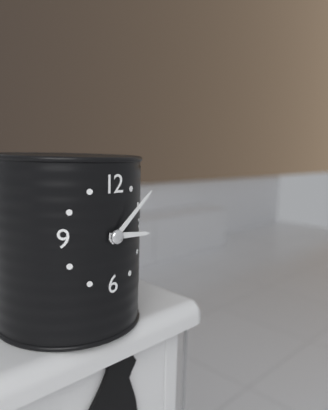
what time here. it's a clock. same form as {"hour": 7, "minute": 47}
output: {"hour": 3, "minute": 8}
